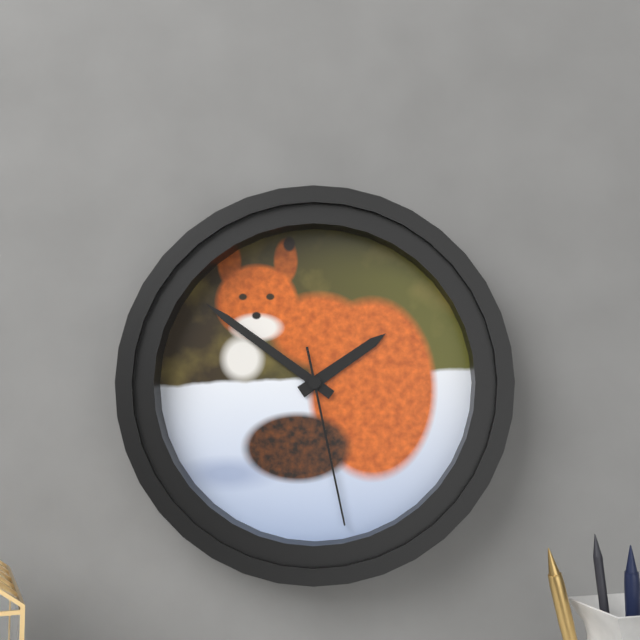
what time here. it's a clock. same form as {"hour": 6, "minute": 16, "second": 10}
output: {"hour": 1, "minute": 51, "second": 28}
